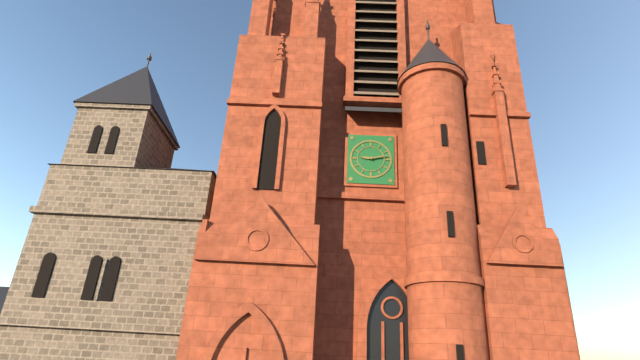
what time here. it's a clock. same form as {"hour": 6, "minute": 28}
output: {"hour": 9, "minute": 13}
